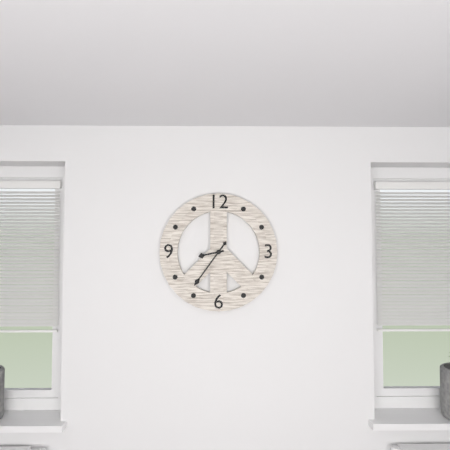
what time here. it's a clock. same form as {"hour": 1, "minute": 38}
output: {"hour": 8, "minute": 36}
